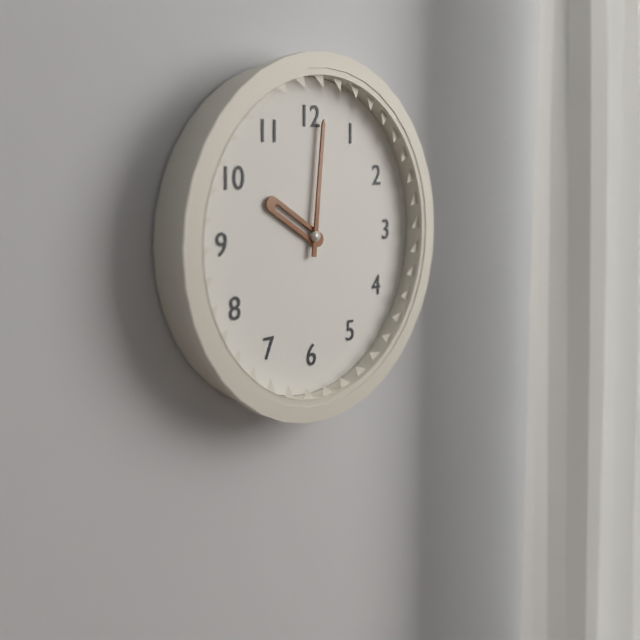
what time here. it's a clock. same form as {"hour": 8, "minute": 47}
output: {"hour": 10, "minute": 1}
